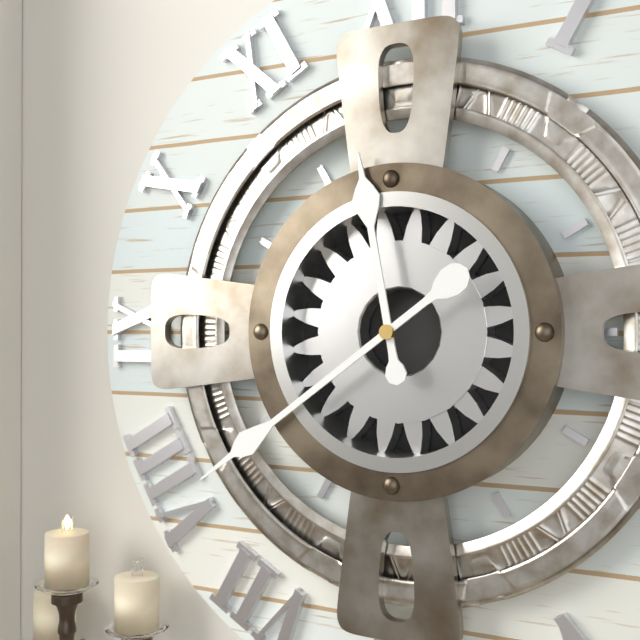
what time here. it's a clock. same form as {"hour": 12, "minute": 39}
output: {"hour": 11, "minute": 39}
